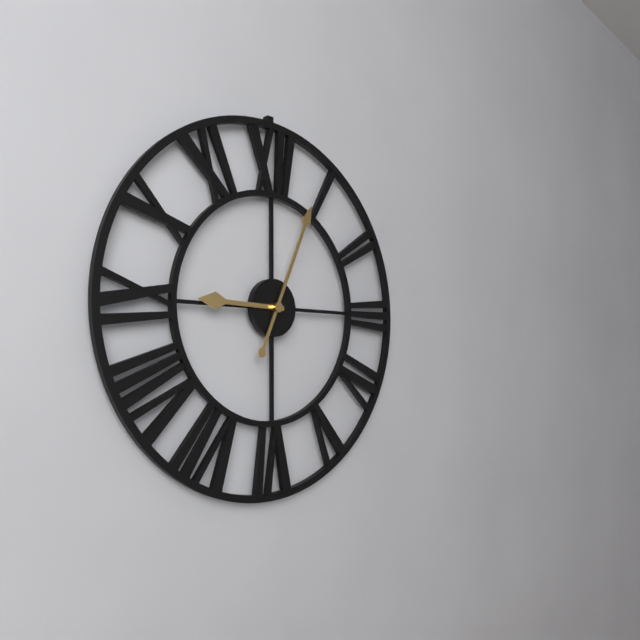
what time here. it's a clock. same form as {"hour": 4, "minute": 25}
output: {"hour": 9, "minute": 4}
